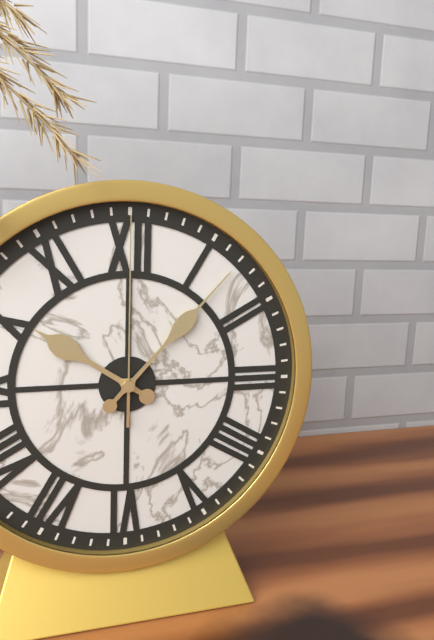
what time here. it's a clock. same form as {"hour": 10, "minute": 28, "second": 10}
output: {"hour": 10, "minute": 7, "second": 0}
